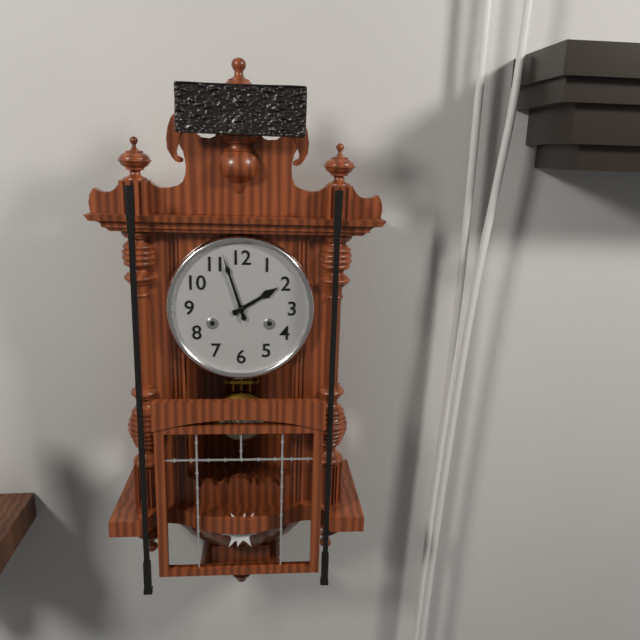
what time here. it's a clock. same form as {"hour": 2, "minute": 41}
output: {"hour": 1, "minute": 57}
